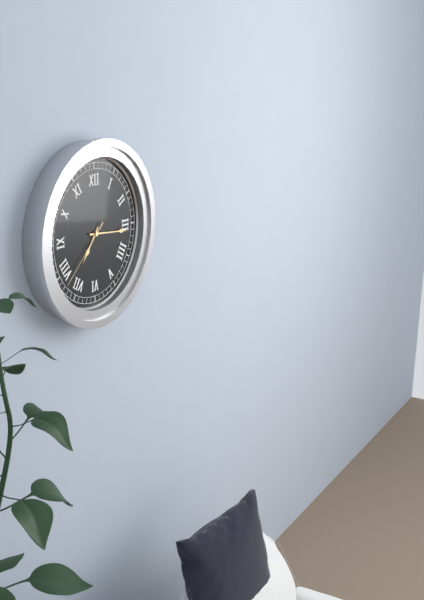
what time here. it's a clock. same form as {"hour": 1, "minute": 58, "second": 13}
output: {"hour": 7, "minute": 16, "second": 38}
